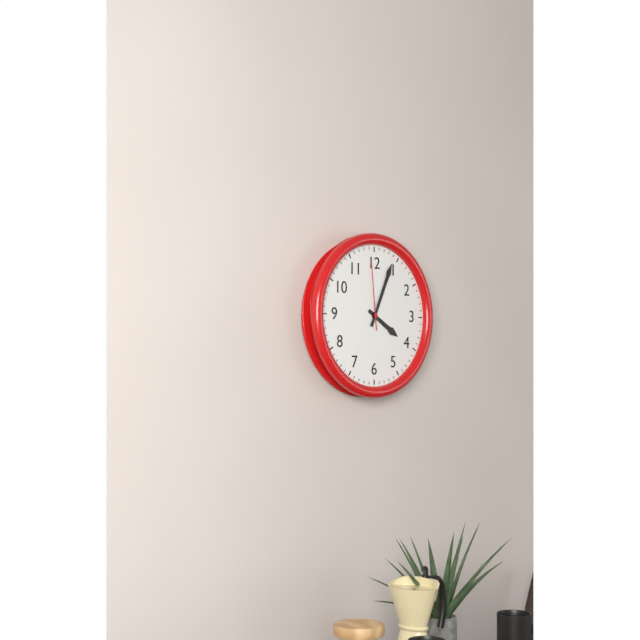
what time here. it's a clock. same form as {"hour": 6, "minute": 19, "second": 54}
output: {"hour": 4, "minute": 4, "second": 59}
